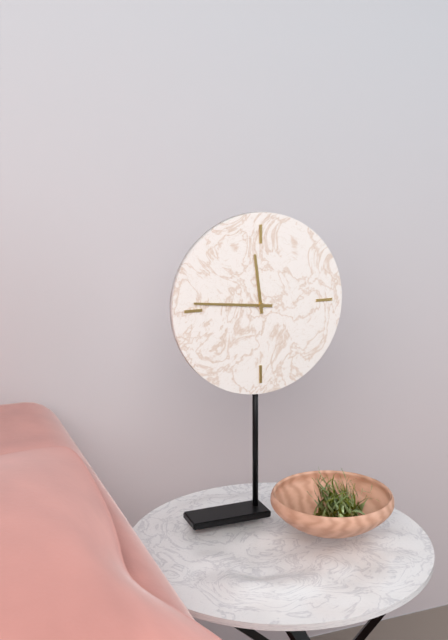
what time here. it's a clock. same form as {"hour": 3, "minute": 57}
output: {"hour": 11, "minute": 46}
